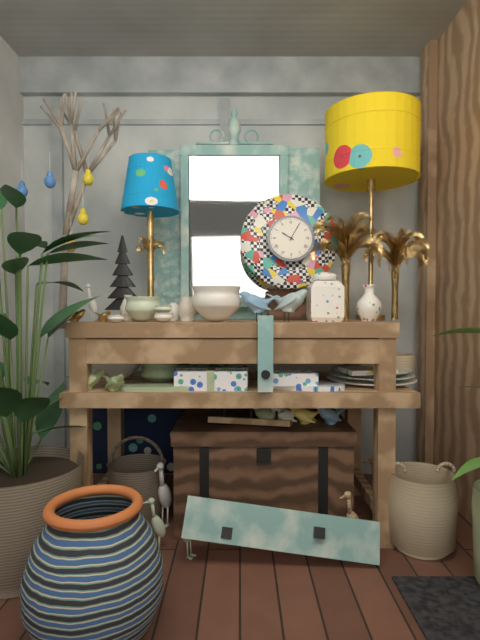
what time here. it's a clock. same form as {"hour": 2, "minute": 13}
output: {"hour": 10, "minute": 5}
